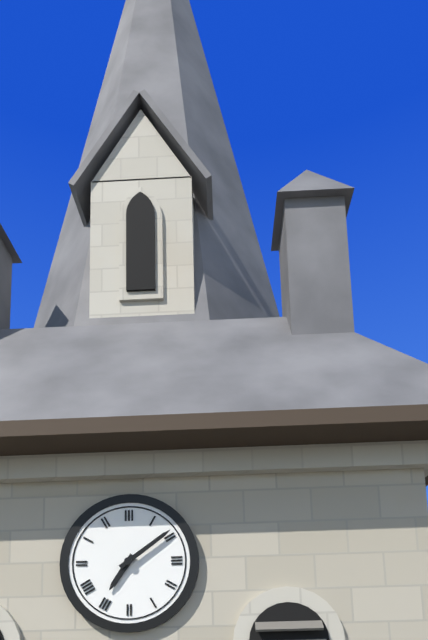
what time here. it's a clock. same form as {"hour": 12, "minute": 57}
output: {"hour": 7, "minute": 9}
